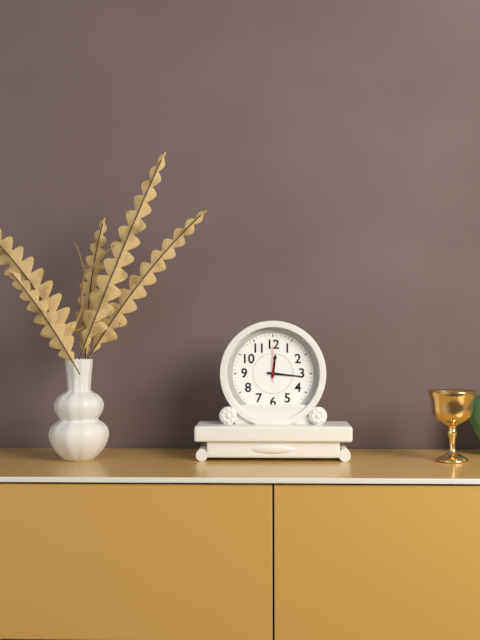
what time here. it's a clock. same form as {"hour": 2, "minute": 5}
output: {"hour": 12, "minute": 16}
